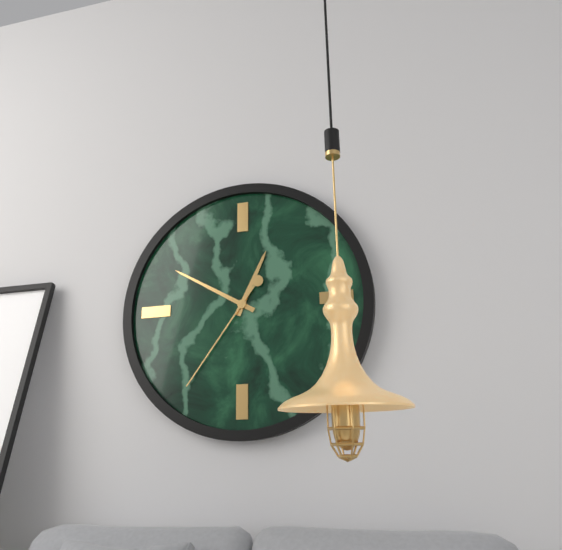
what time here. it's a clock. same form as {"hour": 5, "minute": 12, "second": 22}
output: {"hour": 12, "minute": 50, "second": 36}
